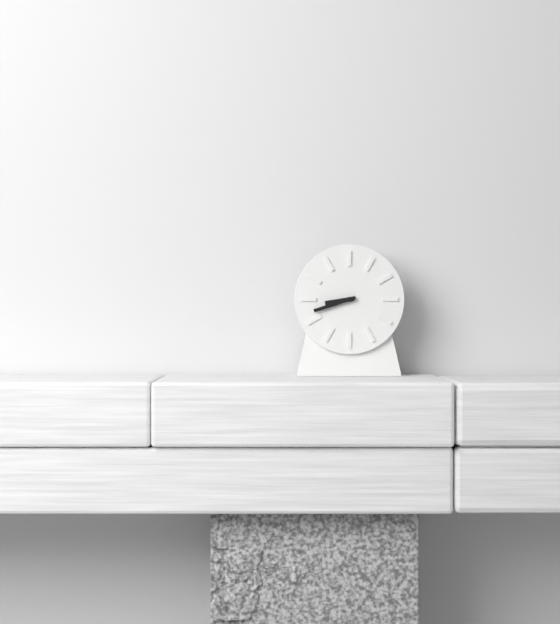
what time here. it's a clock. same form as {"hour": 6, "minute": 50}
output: {"hour": 8, "minute": 42}
